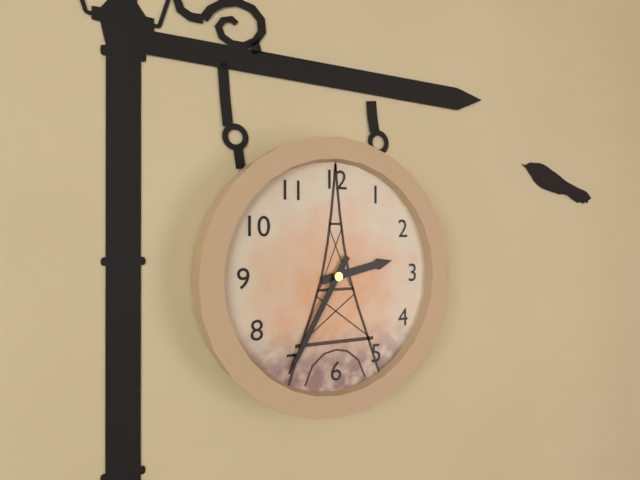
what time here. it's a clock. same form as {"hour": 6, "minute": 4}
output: {"hour": 2, "minute": 35}
